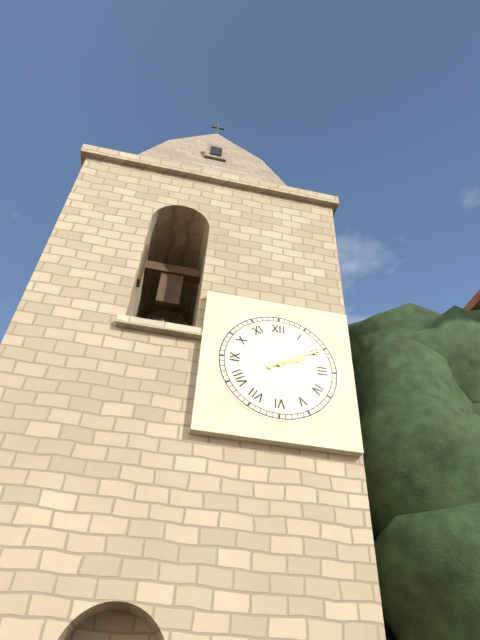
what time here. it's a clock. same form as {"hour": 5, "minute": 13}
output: {"hour": 2, "minute": 10}
